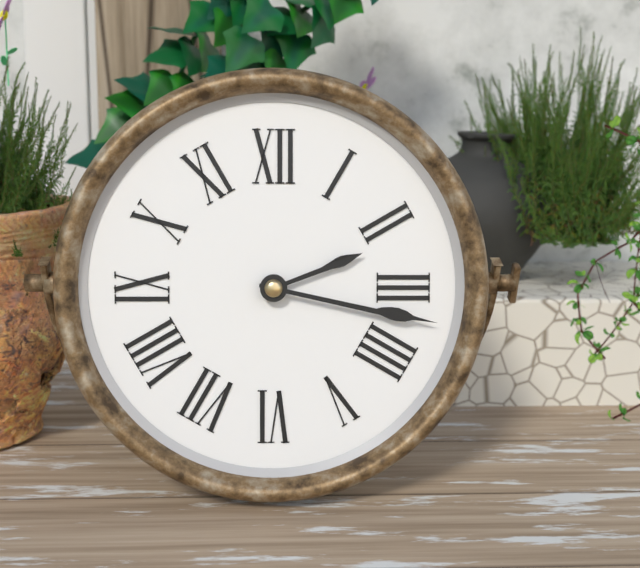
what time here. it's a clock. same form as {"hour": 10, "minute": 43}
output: {"hour": 2, "minute": 17}
